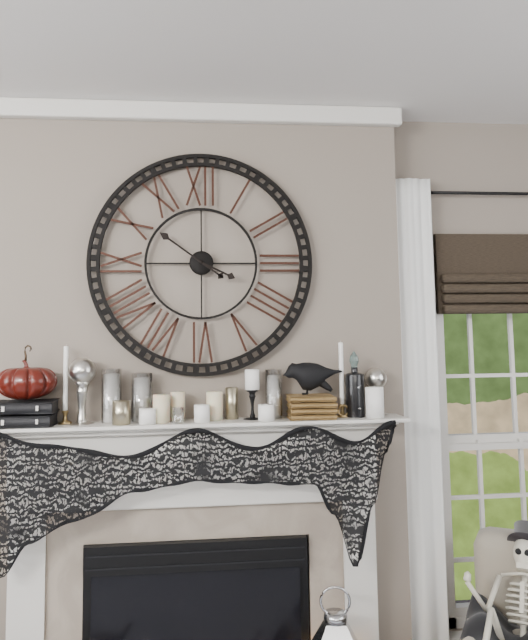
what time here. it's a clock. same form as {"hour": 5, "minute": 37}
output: {"hour": 3, "minute": 51}
